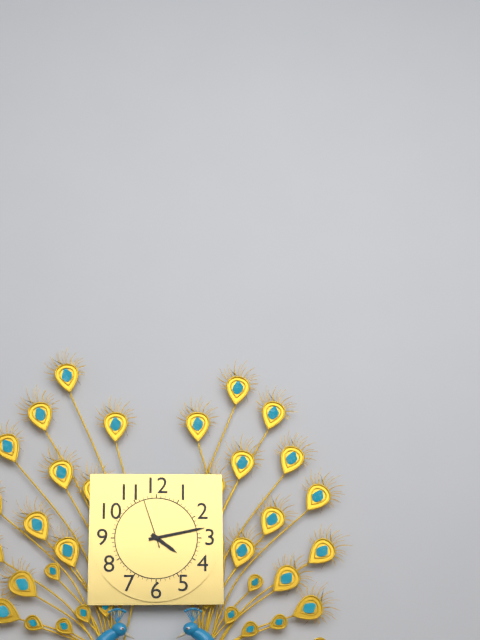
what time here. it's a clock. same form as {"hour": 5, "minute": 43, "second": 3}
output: {"hour": 4, "minute": 13, "second": 57}
